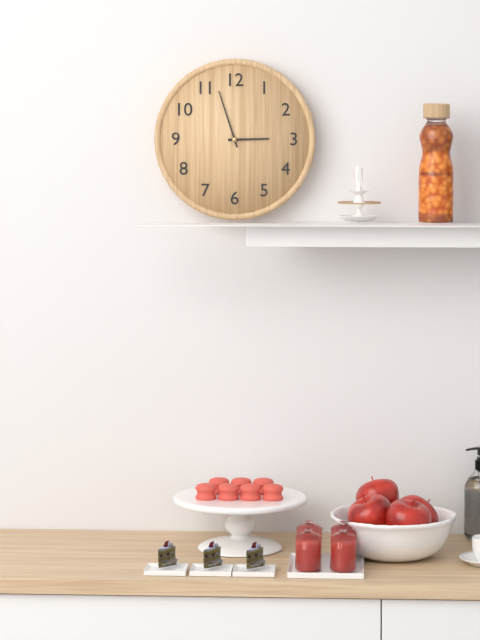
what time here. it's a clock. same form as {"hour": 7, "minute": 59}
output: {"hour": 2, "minute": 57}
